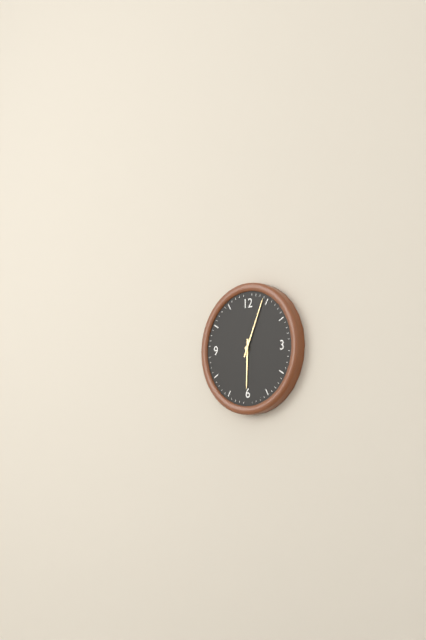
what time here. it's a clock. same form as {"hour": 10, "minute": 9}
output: {"hour": 6, "minute": 4}
